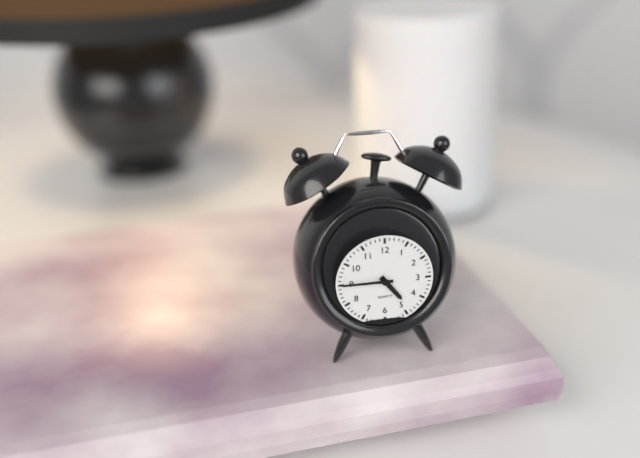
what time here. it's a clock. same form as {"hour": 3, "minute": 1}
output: {"hour": 4, "minute": 45}
